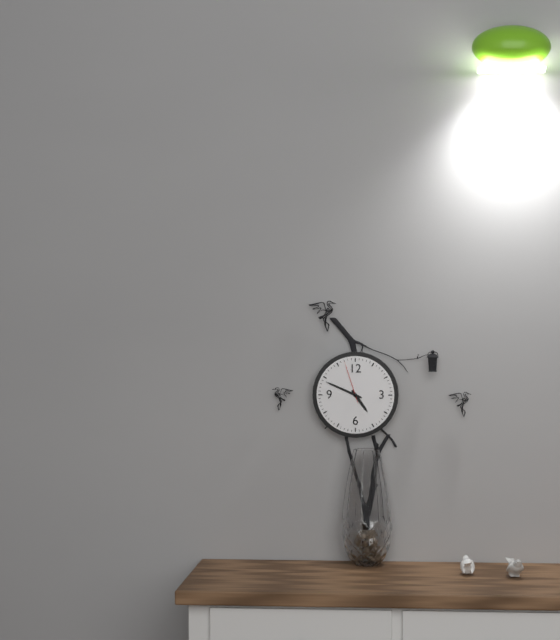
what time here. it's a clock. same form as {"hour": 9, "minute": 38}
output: {"hour": 4, "minute": 49}
